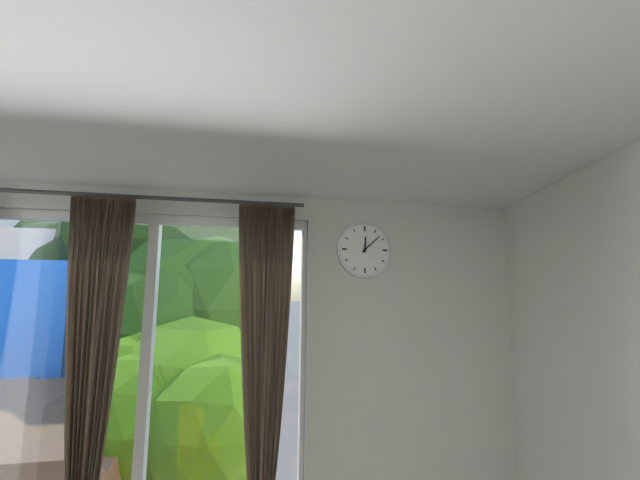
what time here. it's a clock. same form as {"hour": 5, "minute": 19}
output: {"hour": 12, "minute": 8}
